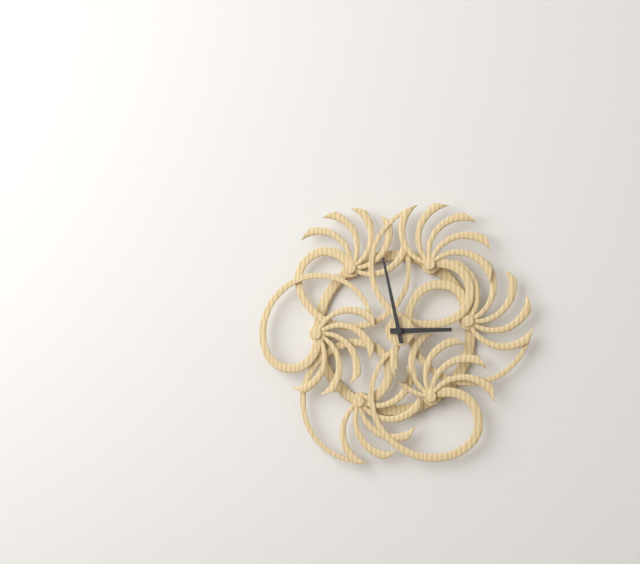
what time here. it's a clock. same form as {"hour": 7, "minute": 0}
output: {"hour": 2, "minute": 58}
